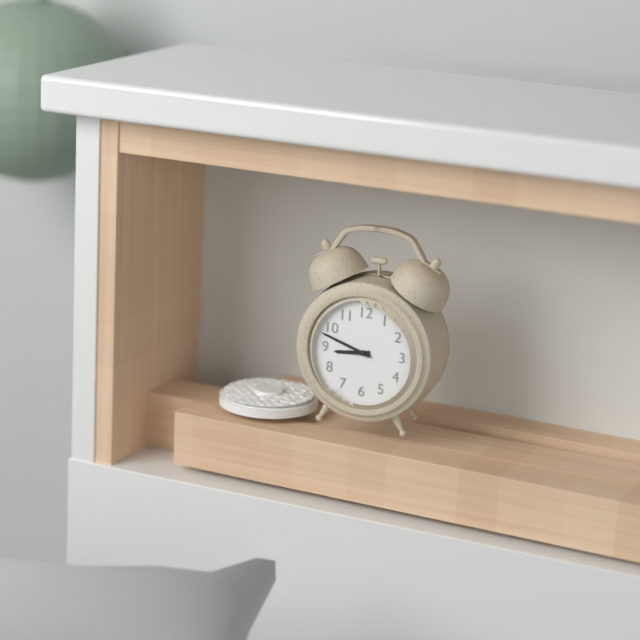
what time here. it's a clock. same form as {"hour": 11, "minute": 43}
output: {"hour": 8, "minute": 48}
